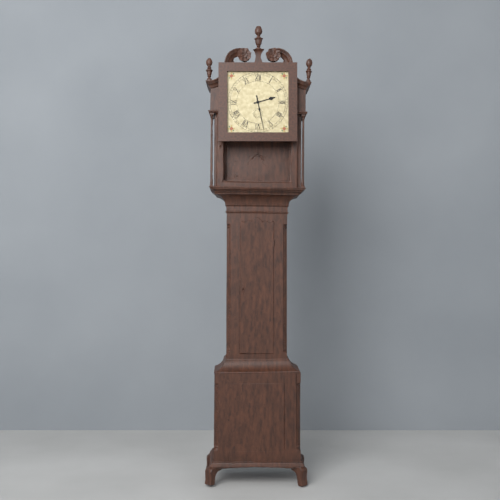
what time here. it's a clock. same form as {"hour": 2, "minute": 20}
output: {"hour": 2, "minute": 28}
